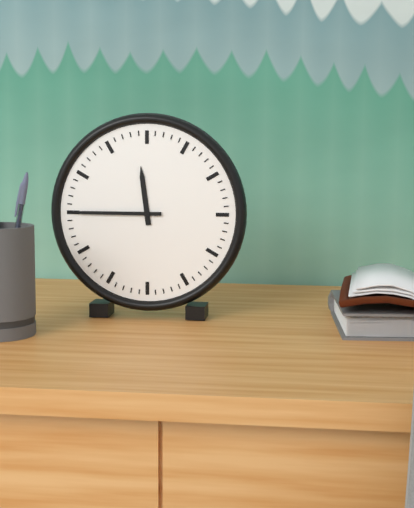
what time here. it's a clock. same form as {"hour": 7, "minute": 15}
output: {"hour": 11, "minute": 45}
